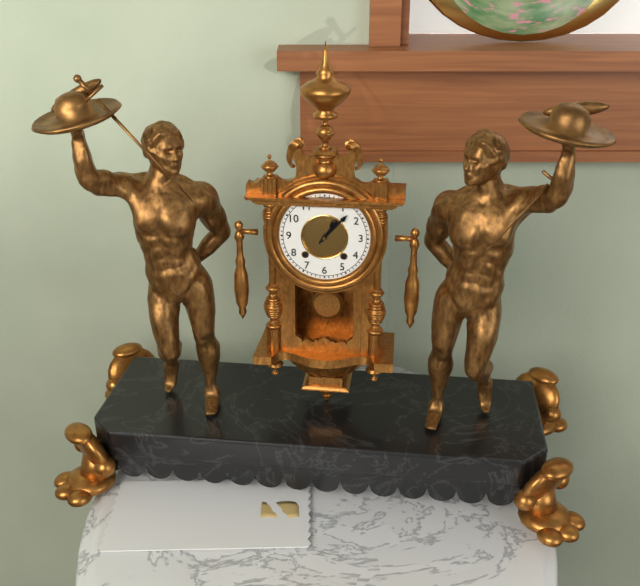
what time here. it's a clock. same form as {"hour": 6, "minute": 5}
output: {"hour": 1, "minute": 7}
